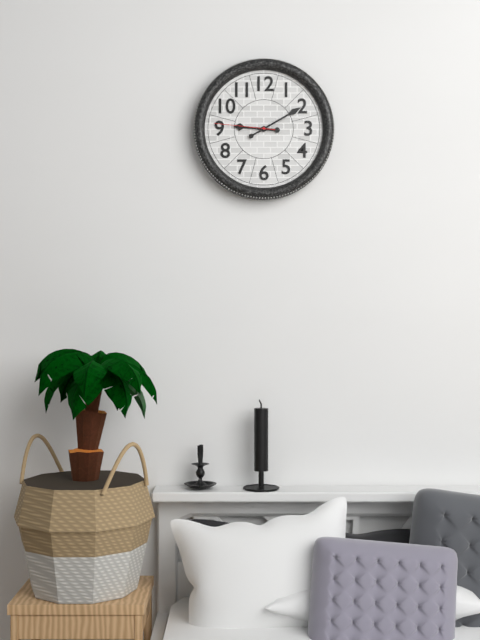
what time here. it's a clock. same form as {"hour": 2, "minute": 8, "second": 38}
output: {"hour": 9, "minute": 10, "second": 46}
